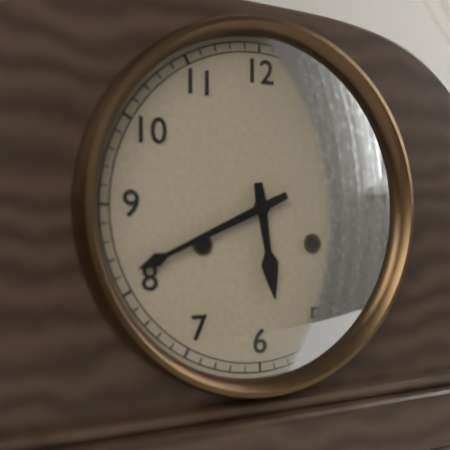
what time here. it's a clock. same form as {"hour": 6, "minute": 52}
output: {"hour": 5, "minute": 41}
